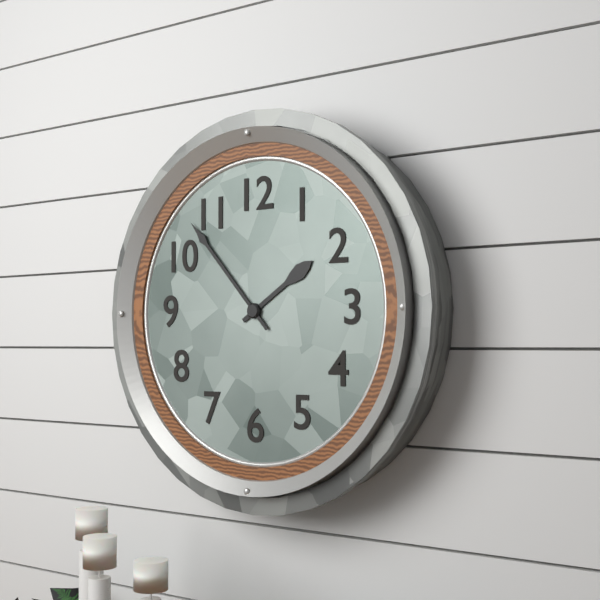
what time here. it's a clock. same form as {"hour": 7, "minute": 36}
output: {"hour": 1, "minute": 53}
